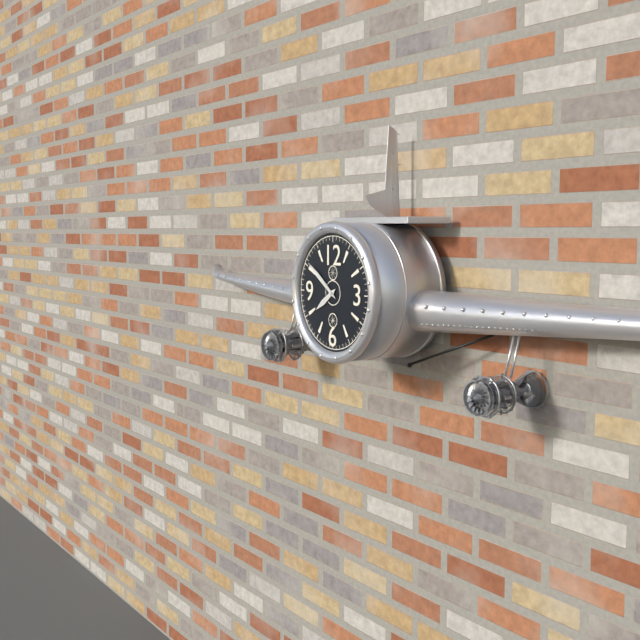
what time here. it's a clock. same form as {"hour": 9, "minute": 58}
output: {"hour": 7, "minute": 51}
